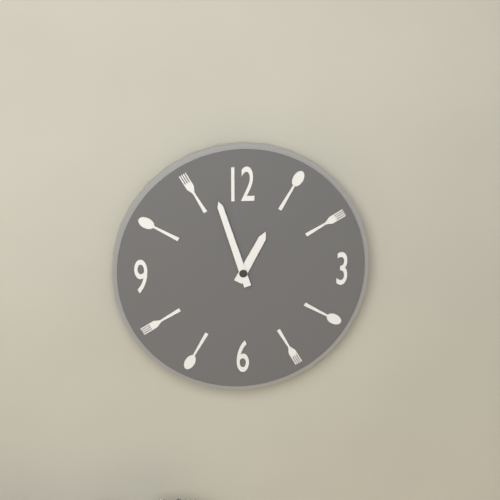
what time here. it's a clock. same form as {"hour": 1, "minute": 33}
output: {"hour": 12, "minute": 57}
